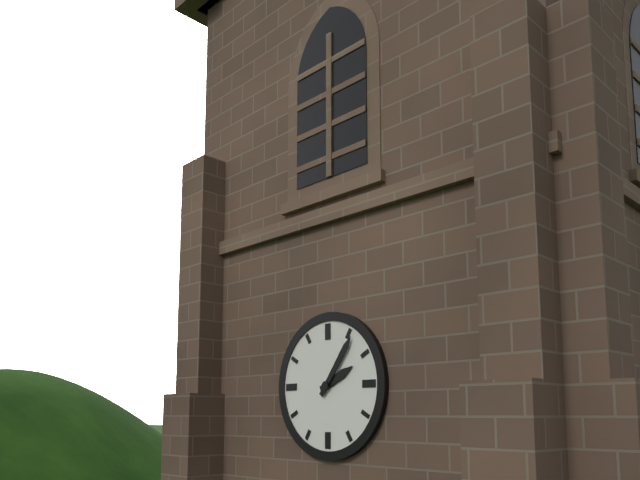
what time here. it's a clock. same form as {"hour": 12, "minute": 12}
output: {"hour": 2, "minute": 6}
